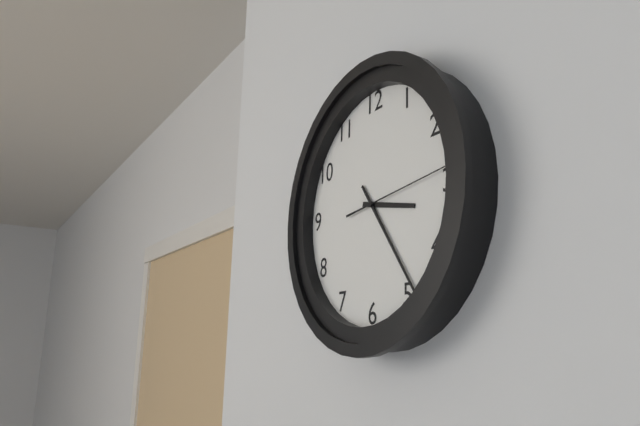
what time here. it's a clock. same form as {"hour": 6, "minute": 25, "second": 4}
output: {"hour": 3, "minute": 24, "second": 14}
